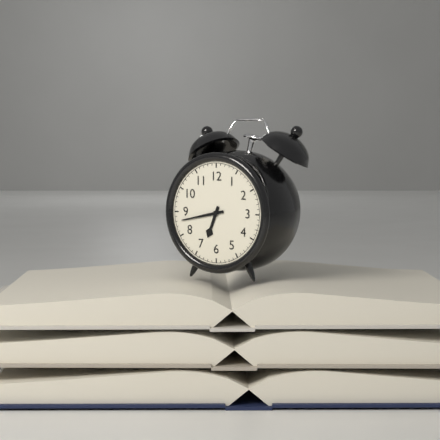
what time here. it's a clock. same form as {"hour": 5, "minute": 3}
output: {"hour": 6, "minute": 43}
